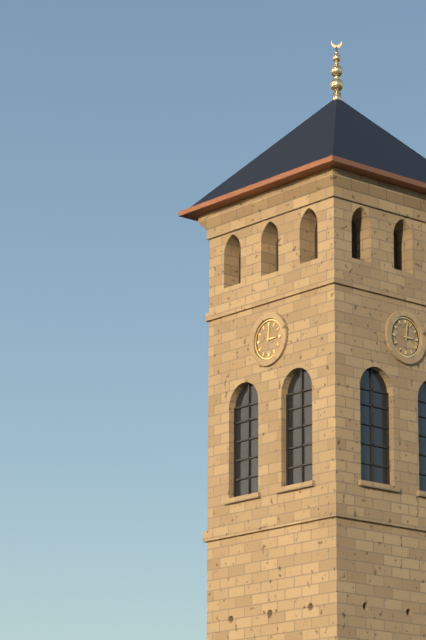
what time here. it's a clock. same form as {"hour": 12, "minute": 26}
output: {"hour": 3, "minute": 1}
